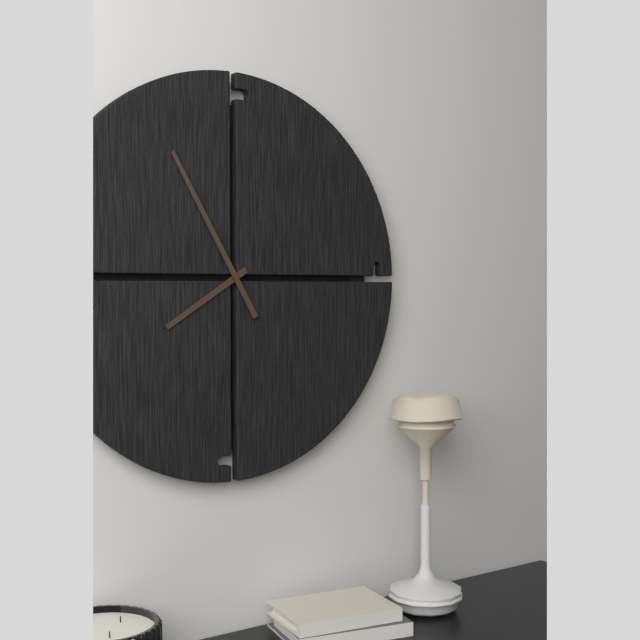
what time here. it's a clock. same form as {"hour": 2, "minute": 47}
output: {"hour": 7, "minute": 55}
